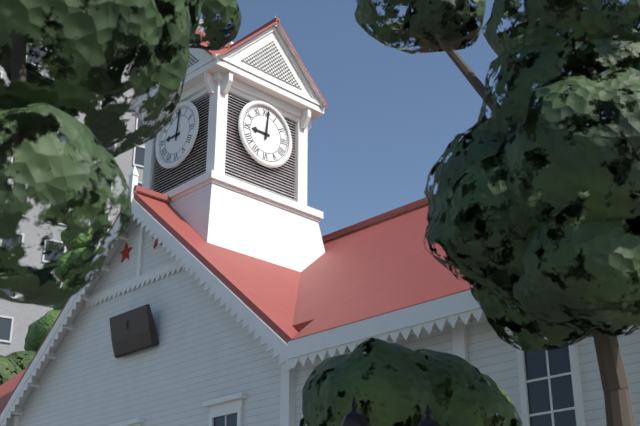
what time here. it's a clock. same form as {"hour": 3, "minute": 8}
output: {"hour": 9, "minute": 1}
